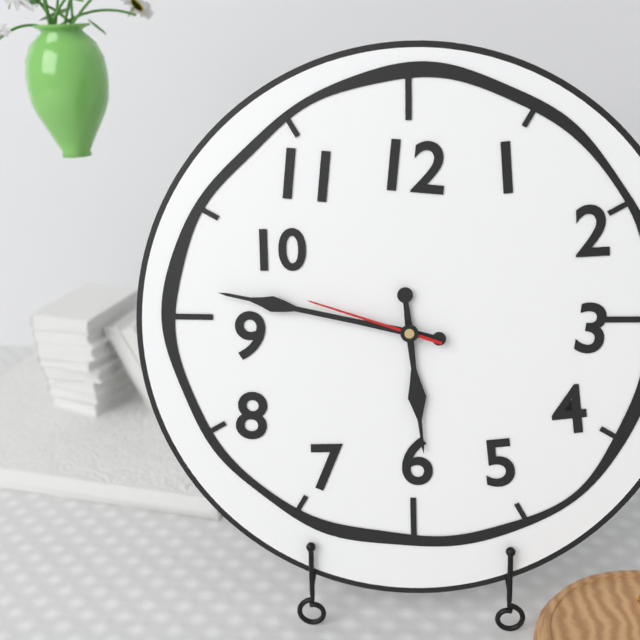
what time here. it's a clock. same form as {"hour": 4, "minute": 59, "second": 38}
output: {"hour": 5, "minute": 47, "second": 48}
